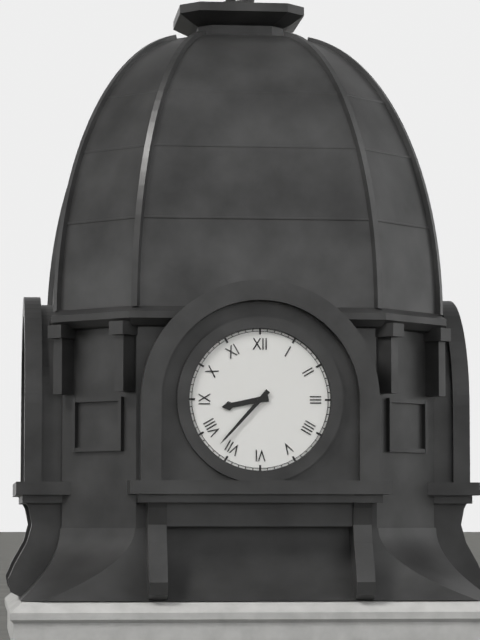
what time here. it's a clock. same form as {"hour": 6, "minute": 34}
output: {"hour": 8, "minute": 37}
